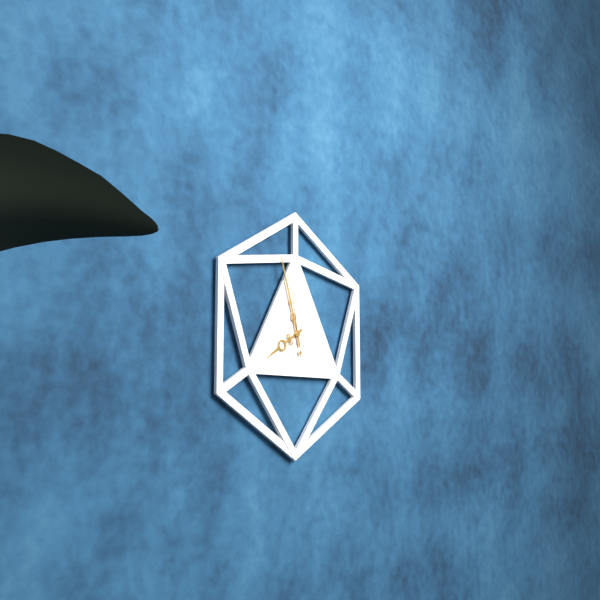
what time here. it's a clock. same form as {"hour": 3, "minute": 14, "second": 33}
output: {"hour": 7, "minute": 57, "second": 58}
